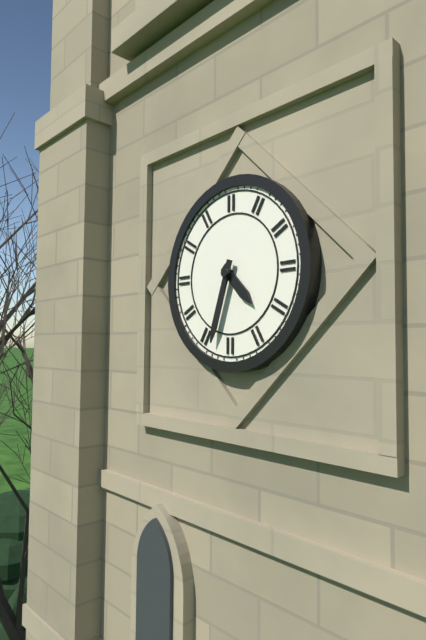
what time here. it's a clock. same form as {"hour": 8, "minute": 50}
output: {"hour": 4, "minute": 33}
